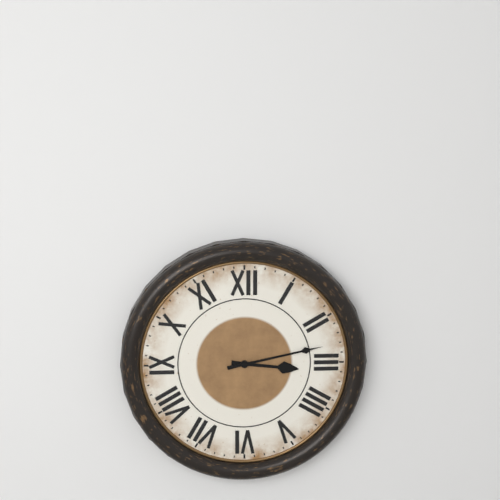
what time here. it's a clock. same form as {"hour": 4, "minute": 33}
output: {"hour": 3, "minute": 13}
